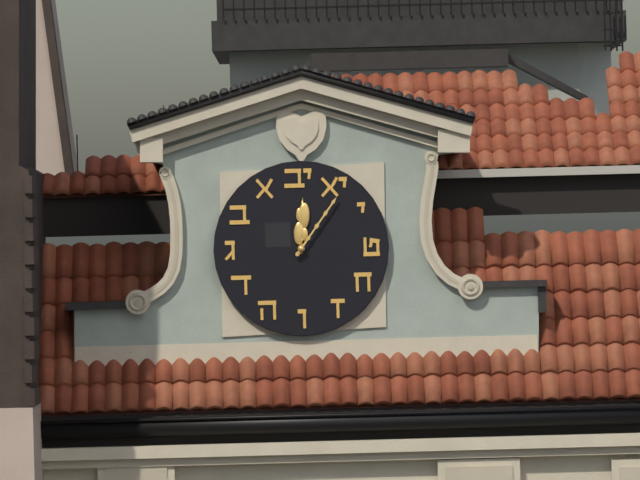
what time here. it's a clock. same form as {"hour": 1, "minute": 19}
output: {"hour": 12, "minute": 6}
